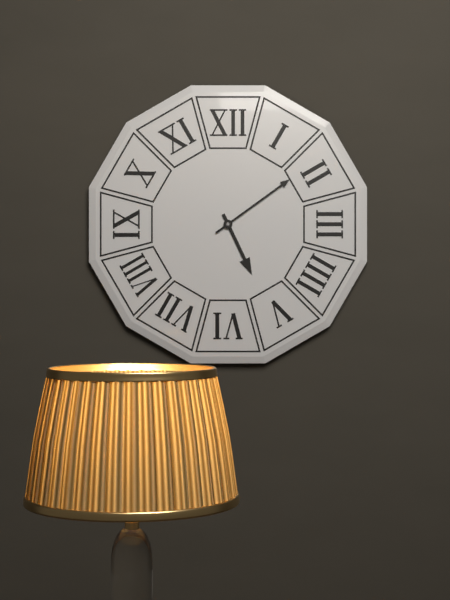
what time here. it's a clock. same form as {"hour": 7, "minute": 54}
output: {"hour": 5, "minute": 9}
